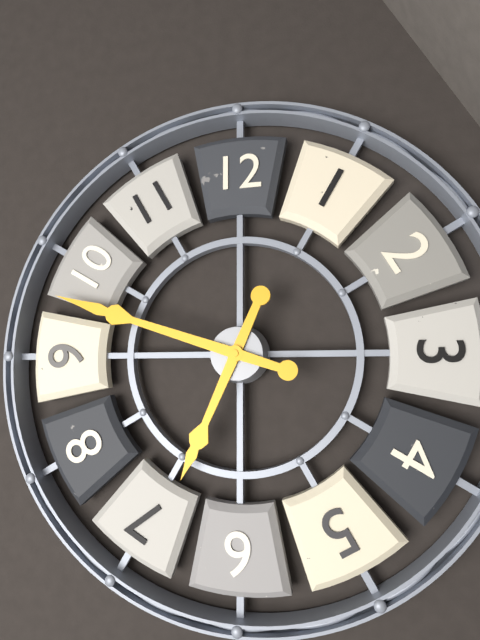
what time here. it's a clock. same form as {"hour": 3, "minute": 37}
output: {"hour": 6, "minute": 48}
